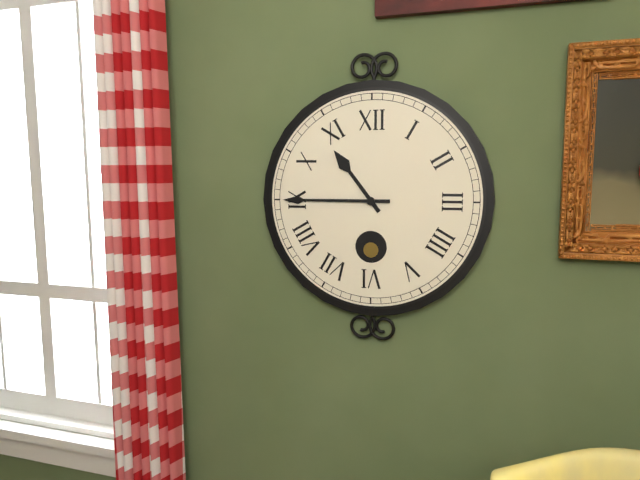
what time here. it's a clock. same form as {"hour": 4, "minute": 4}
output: {"hour": 10, "minute": 45}
